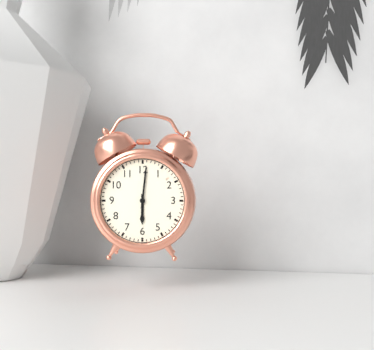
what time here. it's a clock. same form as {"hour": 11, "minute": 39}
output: {"hour": 6, "minute": 1}
